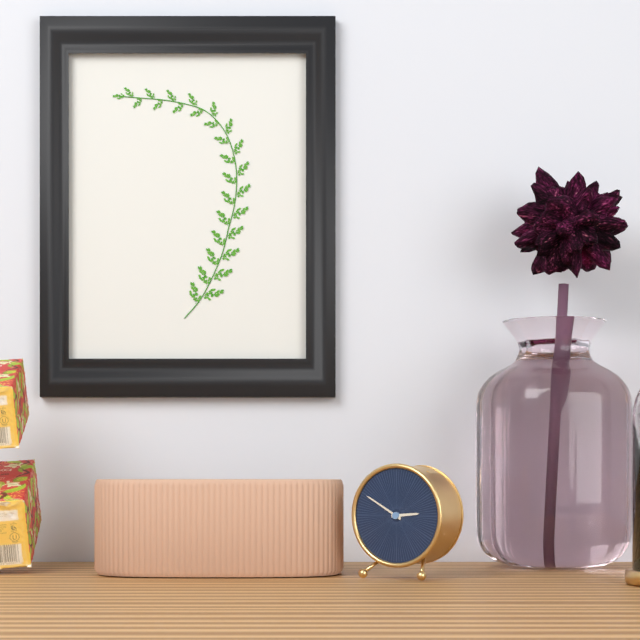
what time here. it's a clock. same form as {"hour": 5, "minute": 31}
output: {"hour": 2, "minute": 50}
